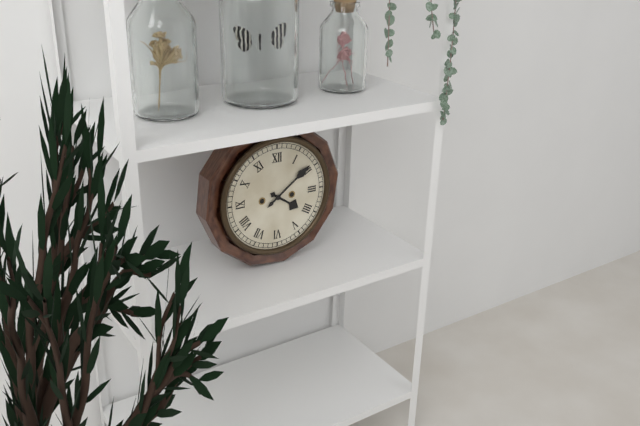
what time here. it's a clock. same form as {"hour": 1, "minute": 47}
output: {"hour": 4, "minute": 9}
